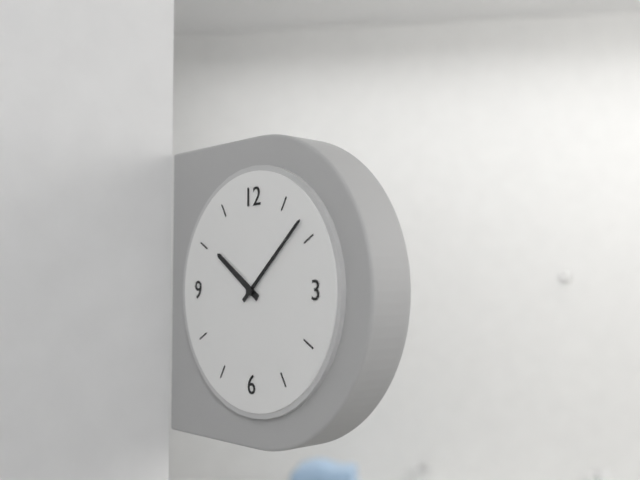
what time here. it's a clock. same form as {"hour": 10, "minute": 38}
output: {"hour": 10, "minute": 8}
